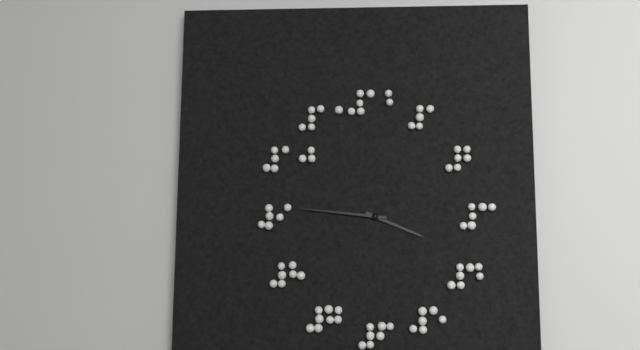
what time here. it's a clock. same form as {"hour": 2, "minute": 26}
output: {"hour": 3, "minute": 46}
